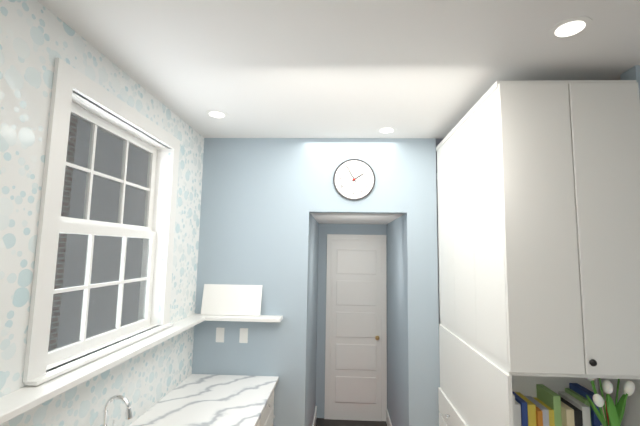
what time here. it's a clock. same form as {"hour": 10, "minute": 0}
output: {"hour": 1, "minute": 55}
